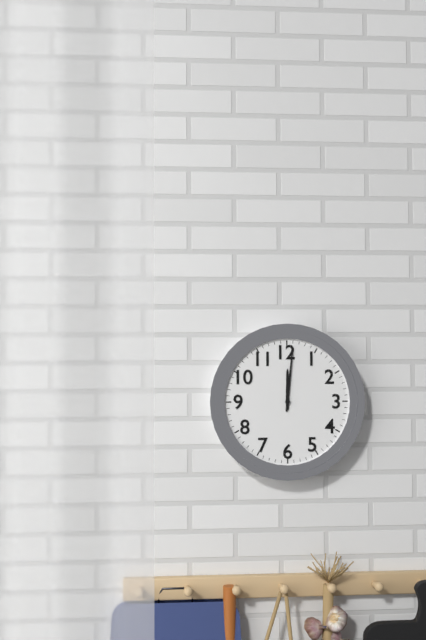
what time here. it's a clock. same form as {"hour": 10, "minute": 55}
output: {"hour": 12, "minute": 1}
